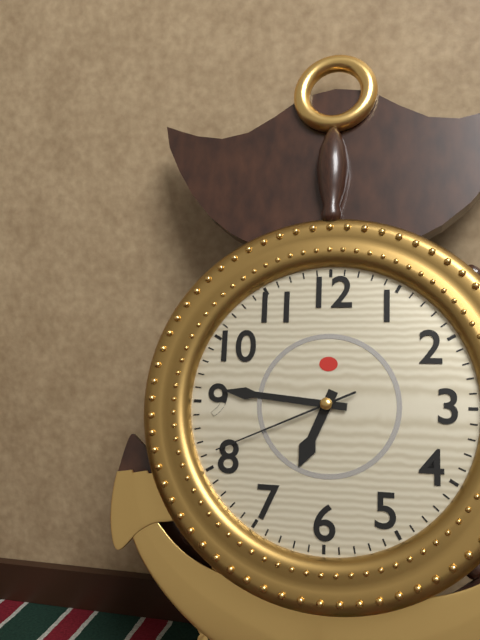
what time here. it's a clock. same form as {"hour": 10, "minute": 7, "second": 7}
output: {"hour": 6, "minute": 46, "second": 41}
